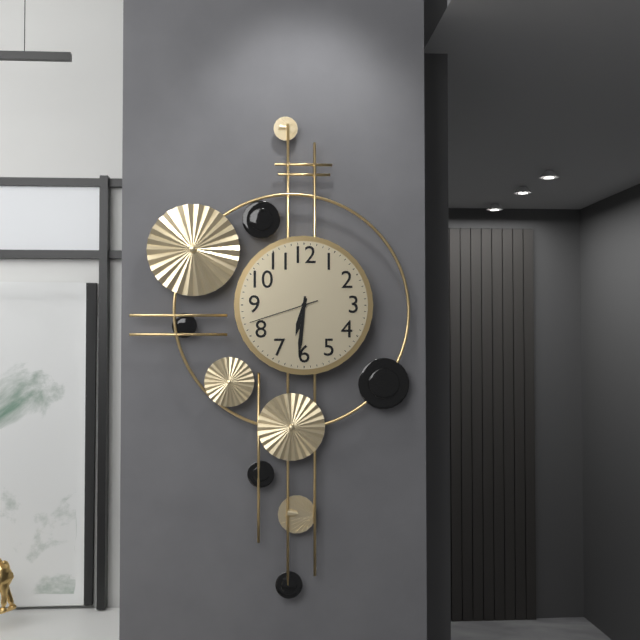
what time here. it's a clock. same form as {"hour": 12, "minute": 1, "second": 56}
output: {"hour": 6, "minute": 31, "second": 42}
